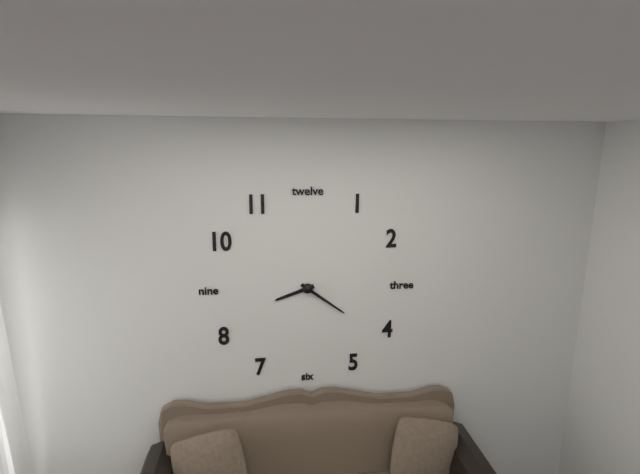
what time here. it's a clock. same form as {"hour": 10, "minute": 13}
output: {"hour": 8, "minute": 21}
